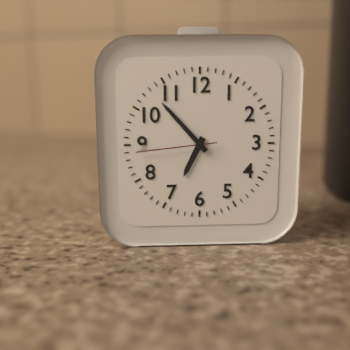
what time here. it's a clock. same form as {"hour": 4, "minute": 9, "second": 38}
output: {"hour": 6, "minute": 53, "second": 44}
